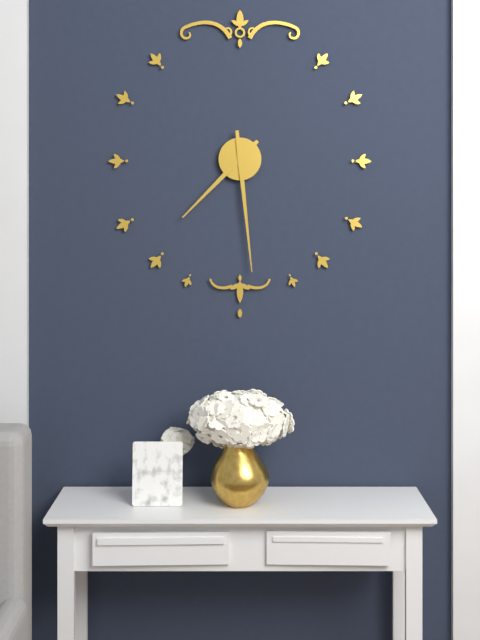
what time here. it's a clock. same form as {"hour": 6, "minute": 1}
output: {"hour": 7, "minute": 29}
